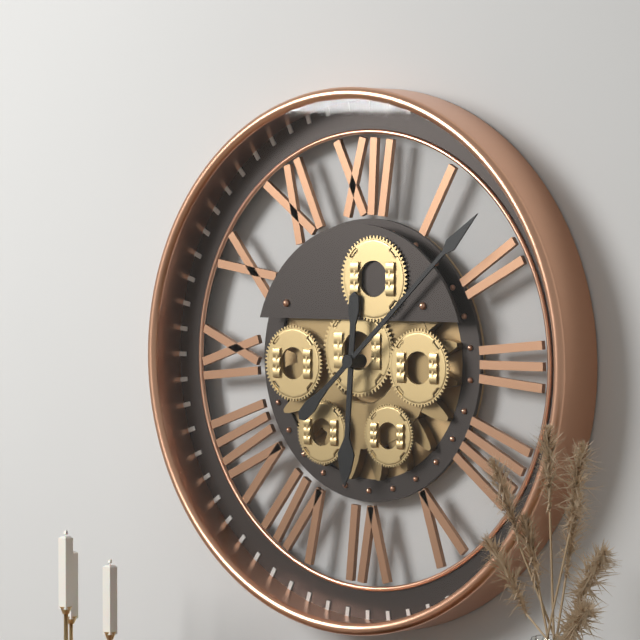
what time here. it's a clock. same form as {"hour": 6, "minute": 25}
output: {"hour": 6, "minute": 8}
